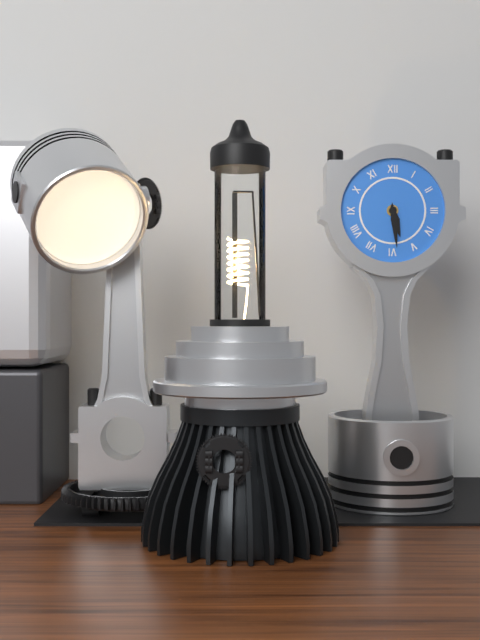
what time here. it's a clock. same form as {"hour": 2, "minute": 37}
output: {"hour": 5, "minute": 29}
